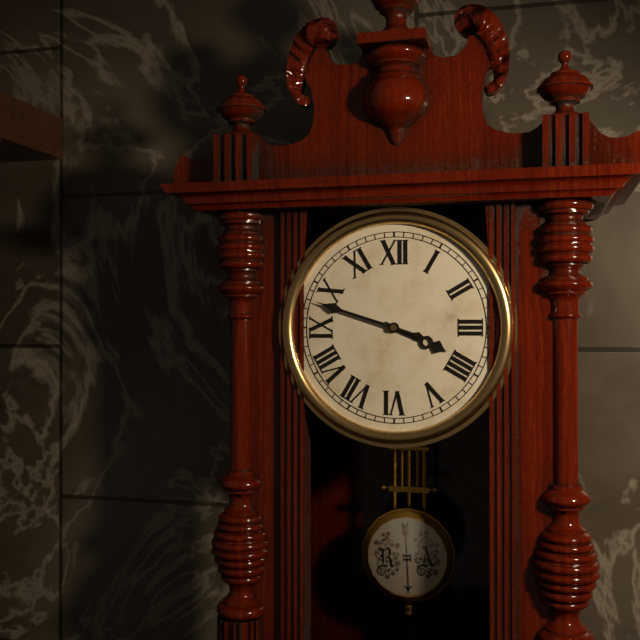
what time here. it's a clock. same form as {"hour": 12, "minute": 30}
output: {"hour": 3, "minute": 48}
